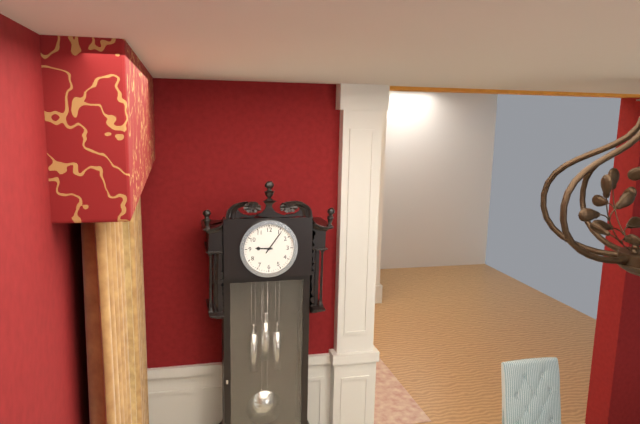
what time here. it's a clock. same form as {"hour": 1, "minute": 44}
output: {"hour": 9, "minute": 6}
